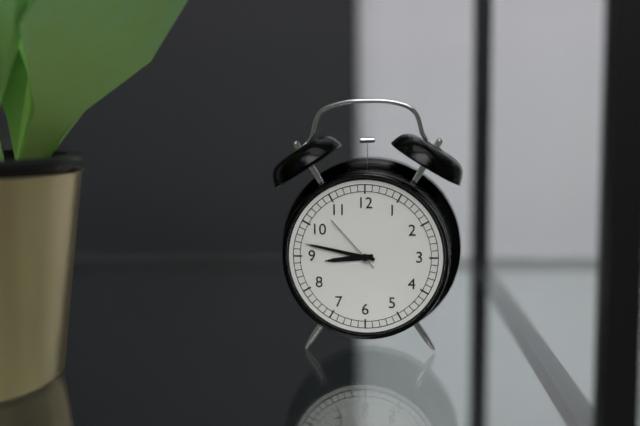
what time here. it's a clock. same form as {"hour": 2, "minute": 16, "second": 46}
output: {"hour": 8, "minute": 47, "second": 53}
